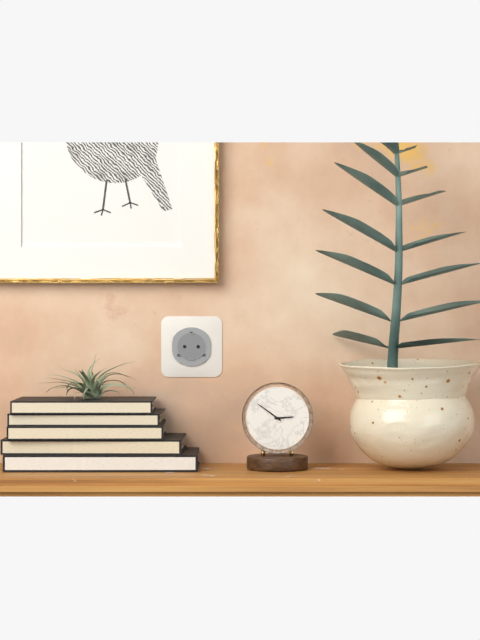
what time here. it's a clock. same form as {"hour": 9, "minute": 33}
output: {"hour": 2, "minute": 51}
